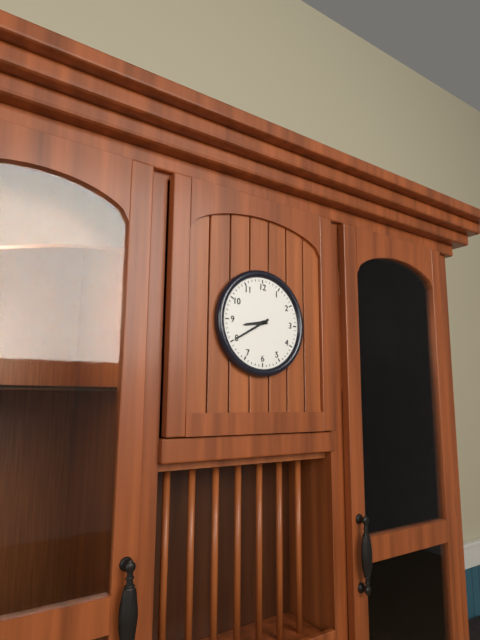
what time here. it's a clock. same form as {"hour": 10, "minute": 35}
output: {"hour": 8, "minute": 40}
